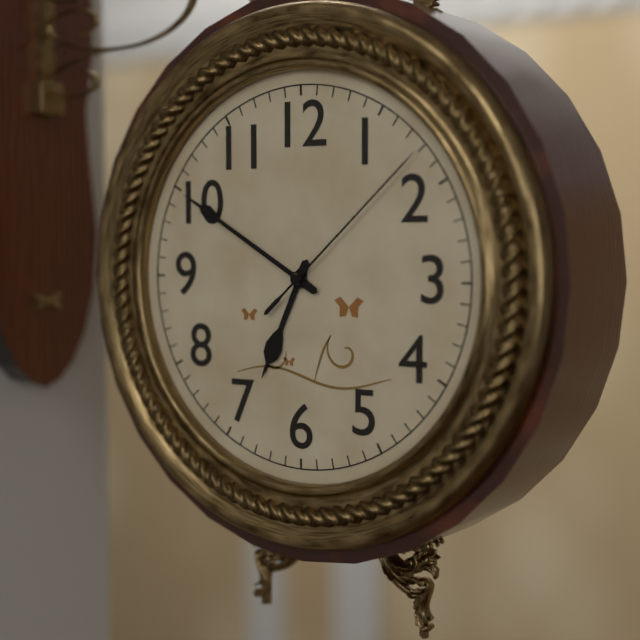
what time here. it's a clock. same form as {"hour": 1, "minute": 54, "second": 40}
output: {"hour": 6, "minute": 50, "second": 8}
